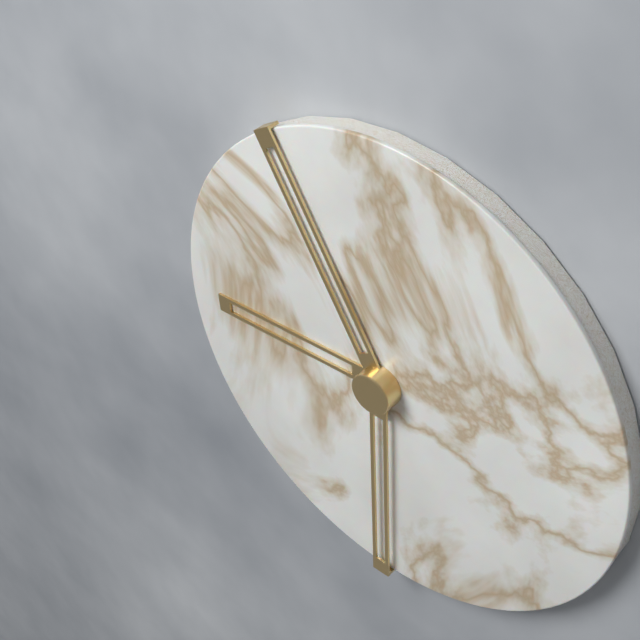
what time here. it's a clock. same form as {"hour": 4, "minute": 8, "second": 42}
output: {"hour": 8, "minute": 55, "second": 30}
